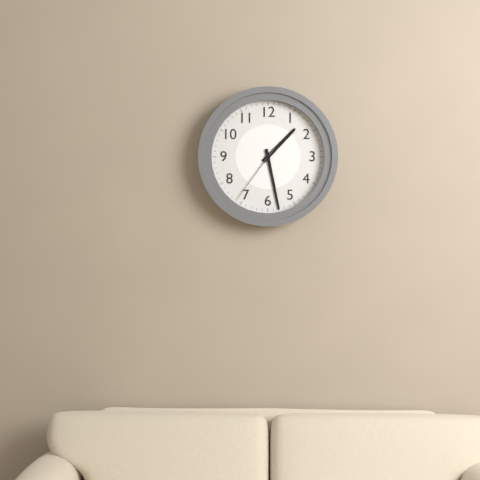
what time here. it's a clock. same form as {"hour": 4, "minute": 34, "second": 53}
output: {"hour": 1, "minute": 28, "second": 36}
